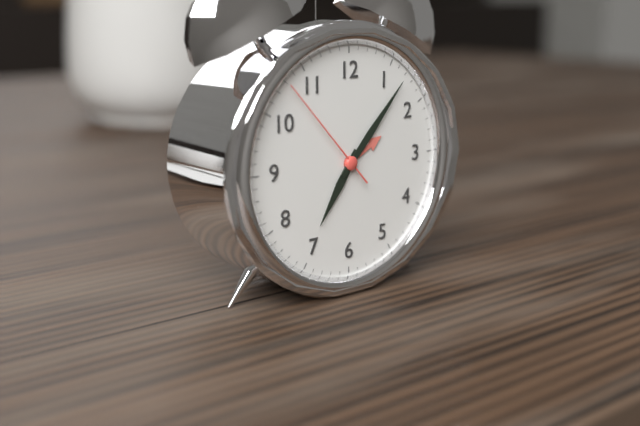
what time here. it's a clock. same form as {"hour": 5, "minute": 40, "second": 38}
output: {"hour": 7, "minute": 7, "second": 53}
